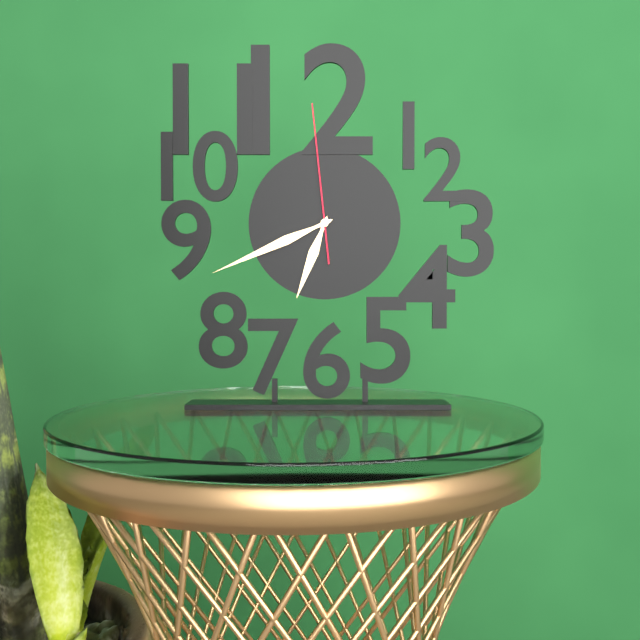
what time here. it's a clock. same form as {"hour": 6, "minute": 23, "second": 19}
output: {"hour": 6, "minute": 41, "second": 59}
